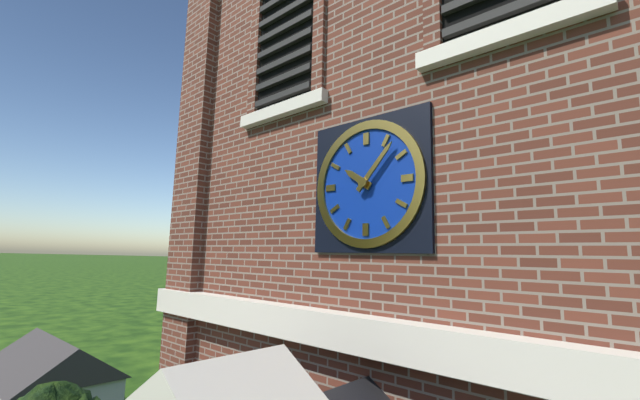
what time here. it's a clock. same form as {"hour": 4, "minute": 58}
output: {"hour": 10, "minute": 7}
